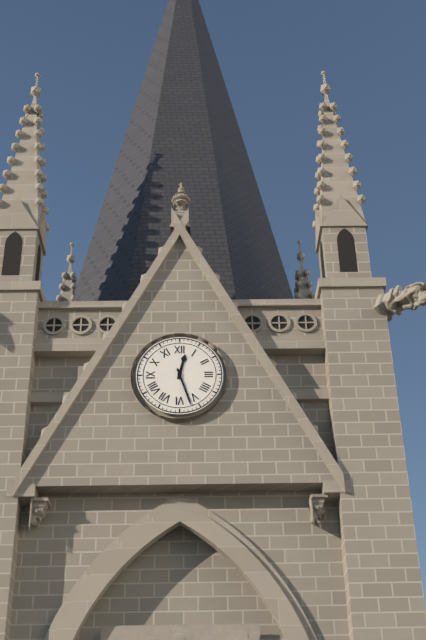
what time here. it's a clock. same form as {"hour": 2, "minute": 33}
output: {"hour": 12, "minute": 27}
